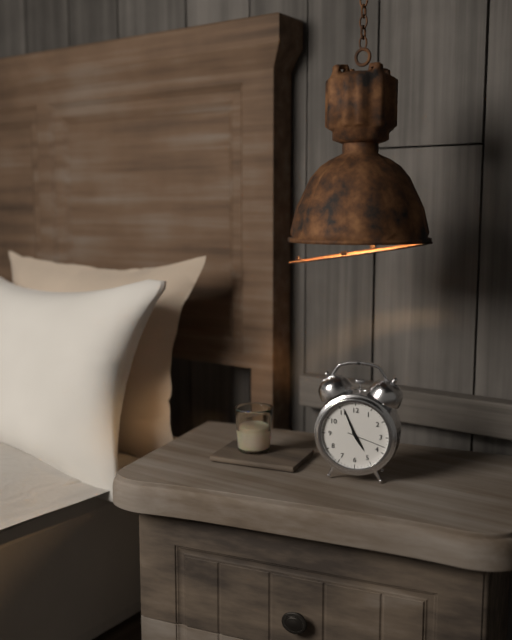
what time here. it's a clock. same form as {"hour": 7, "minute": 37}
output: {"hour": 4, "minute": 56}
